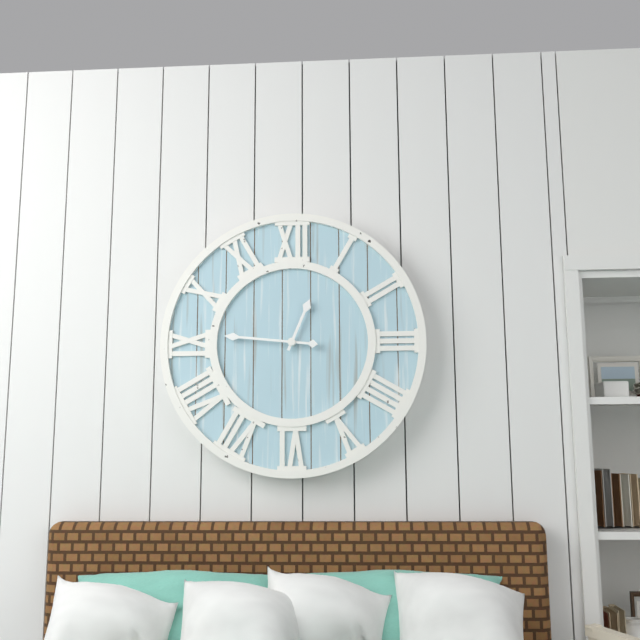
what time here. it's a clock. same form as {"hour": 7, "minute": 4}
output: {"hour": 12, "minute": 46}
